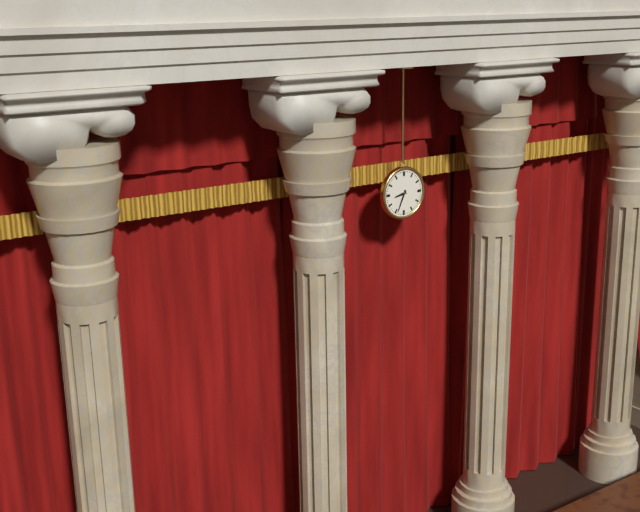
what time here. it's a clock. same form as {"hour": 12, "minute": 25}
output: {"hour": 8, "minute": 34}
